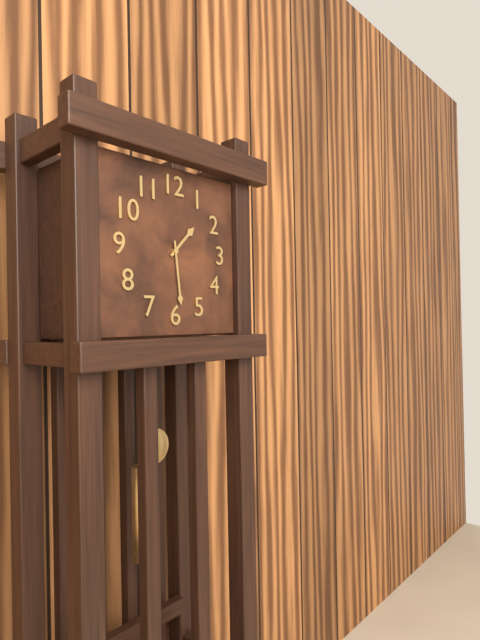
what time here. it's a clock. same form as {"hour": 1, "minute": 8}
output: {"hour": 1, "minute": 29}
